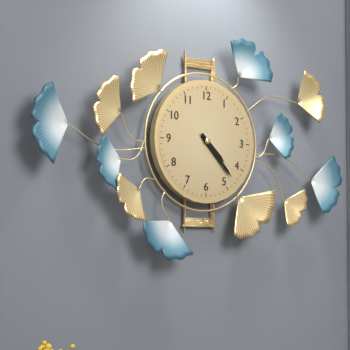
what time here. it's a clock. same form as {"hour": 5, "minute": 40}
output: {"hour": 4, "minute": 23}
